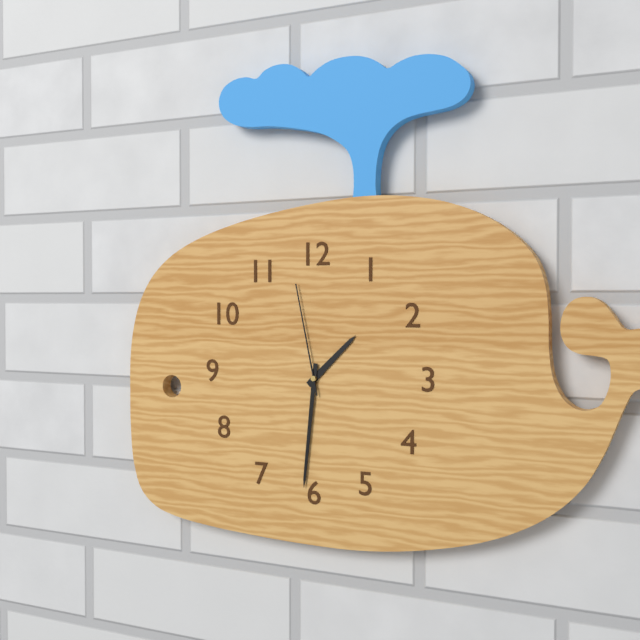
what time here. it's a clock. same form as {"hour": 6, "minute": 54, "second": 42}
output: {"hour": 1, "minute": 31, "second": 58}
